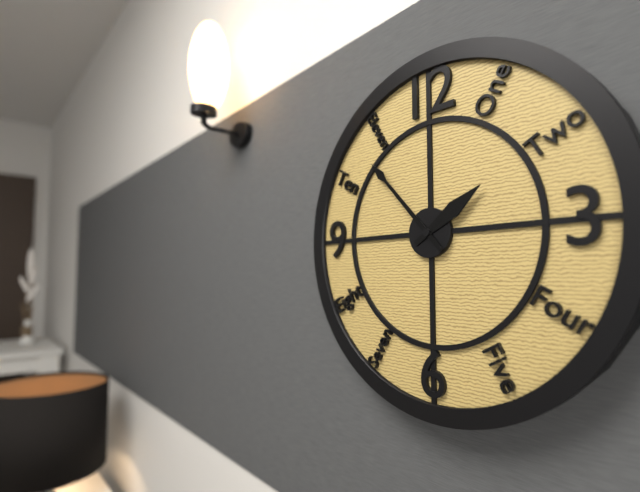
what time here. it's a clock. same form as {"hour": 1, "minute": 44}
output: {"hour": 1, "minute": 53}
